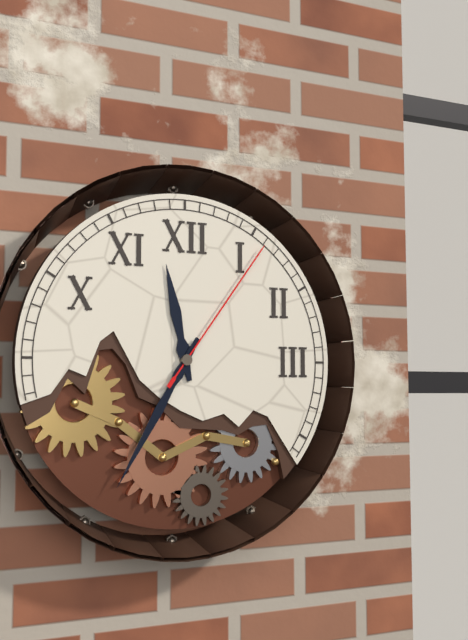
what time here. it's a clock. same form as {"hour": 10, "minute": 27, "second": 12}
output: {"hour": 11, "minute": 35, "second": 6}
